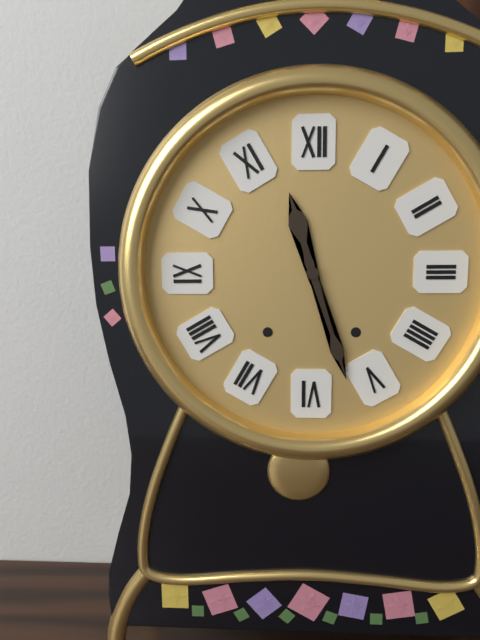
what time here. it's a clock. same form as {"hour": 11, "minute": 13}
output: {"hour": 11, "minute": 27}
